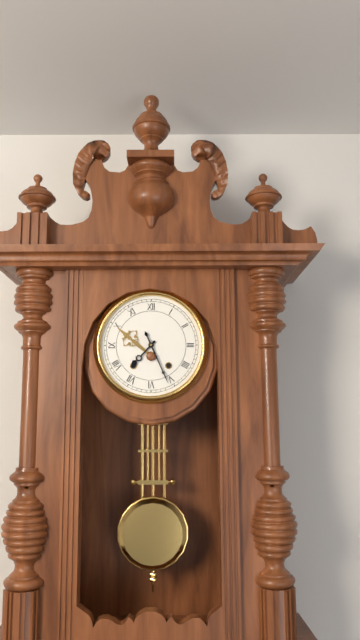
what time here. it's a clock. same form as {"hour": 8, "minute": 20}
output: {"hour": 7, "minute": 26}
